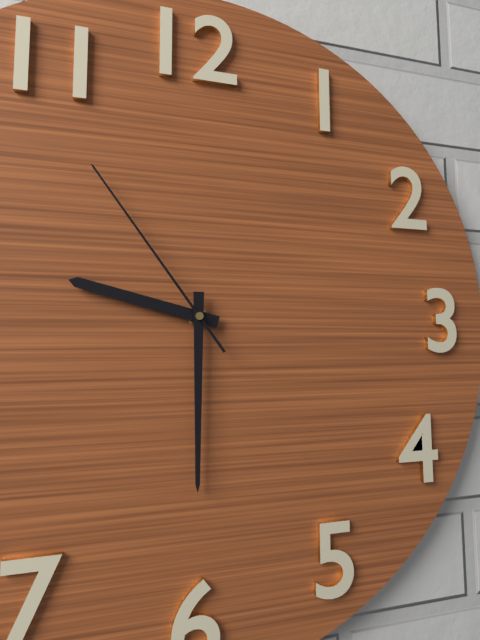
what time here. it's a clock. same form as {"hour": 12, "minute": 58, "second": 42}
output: {"hour": 9, "minute": 30, "second": 54}
